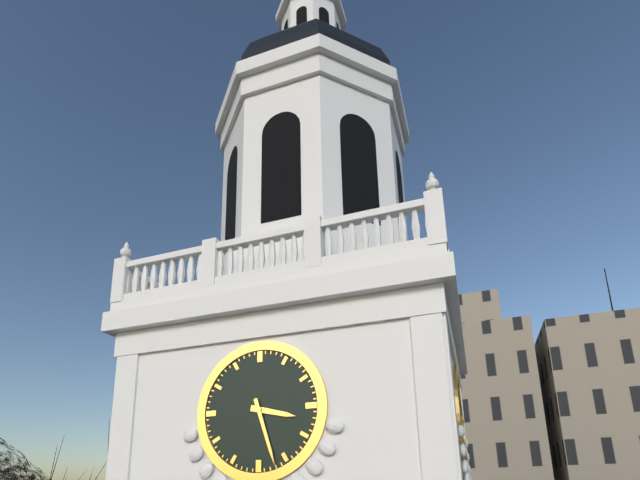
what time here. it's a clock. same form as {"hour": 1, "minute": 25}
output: {"hour": 3, "minute": 27}
